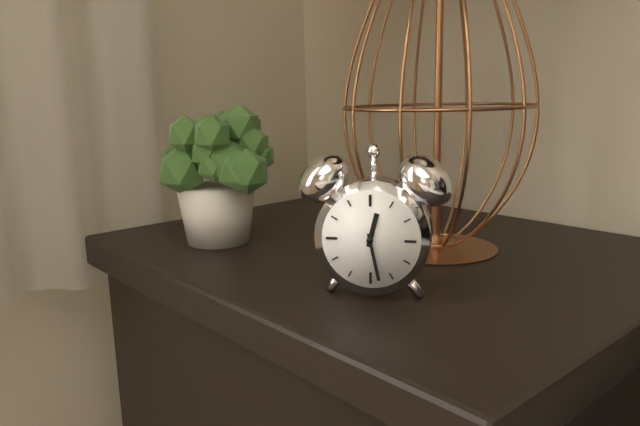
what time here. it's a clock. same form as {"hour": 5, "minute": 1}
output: {"hour": 12, "minute": 28}
